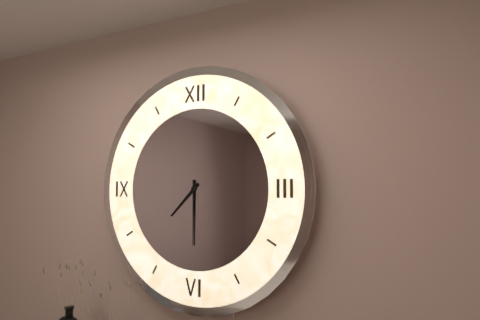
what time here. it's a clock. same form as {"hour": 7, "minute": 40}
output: {"hour": 7, "minute": 30}
